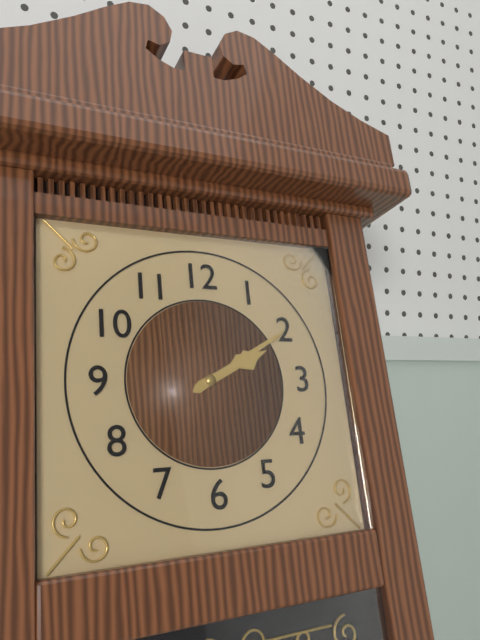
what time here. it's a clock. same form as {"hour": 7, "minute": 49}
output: {"hour": 2, "minute": 10}
